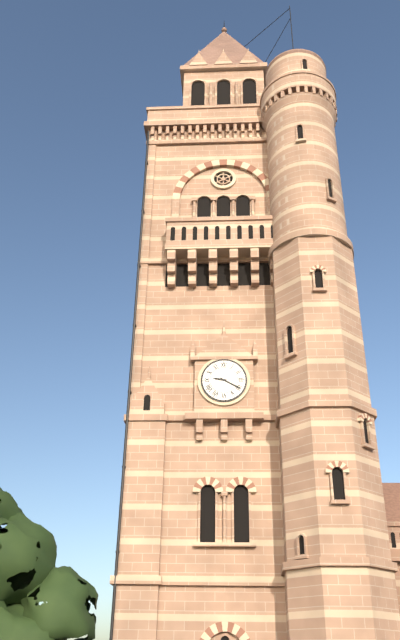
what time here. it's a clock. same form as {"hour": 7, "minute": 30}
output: {"hour": 9, "minute": 20}
